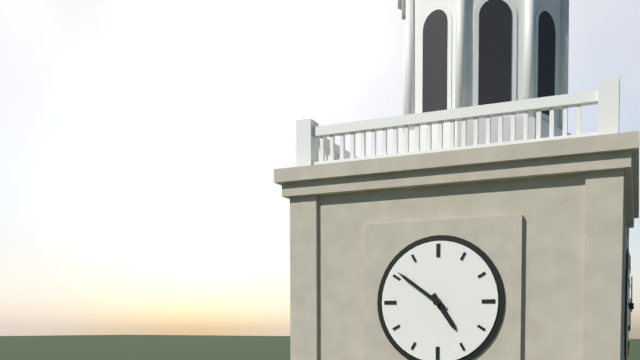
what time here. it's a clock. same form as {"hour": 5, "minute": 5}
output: {"hour": 4, "minute": 51}
